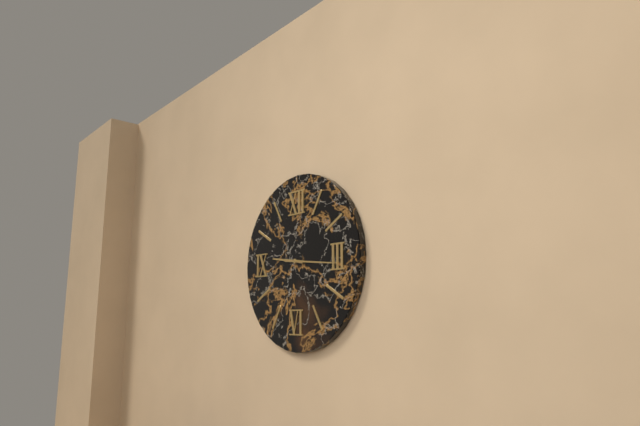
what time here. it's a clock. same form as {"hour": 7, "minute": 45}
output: {"hour": 9, "minute": 16}
